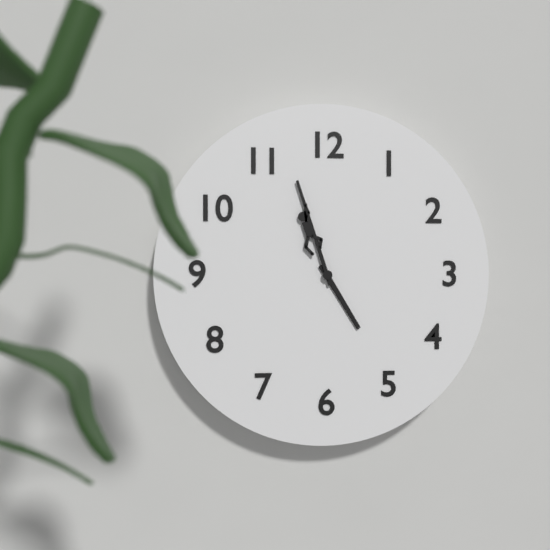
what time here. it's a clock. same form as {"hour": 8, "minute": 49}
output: {"hour": 4, "minute": 57}
